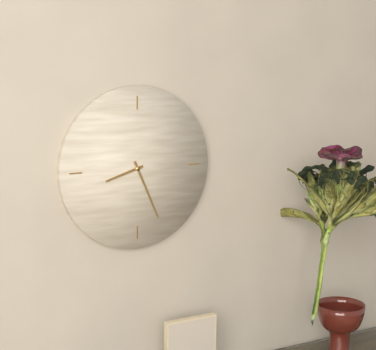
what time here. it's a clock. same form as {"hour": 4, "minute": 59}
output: {"hour": 8, "minute": 26}
